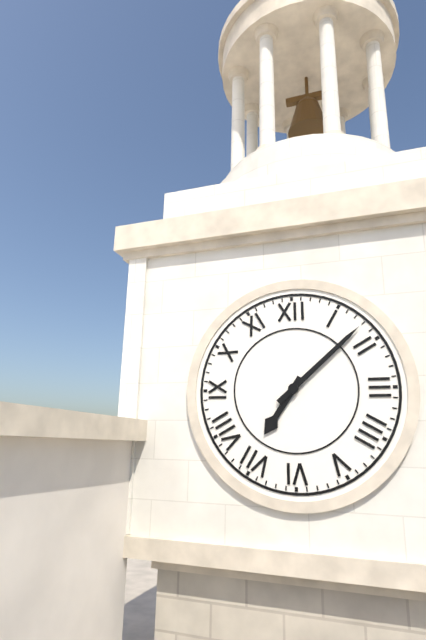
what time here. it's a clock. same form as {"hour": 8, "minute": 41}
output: {"hour": 7, "minute": 8}
